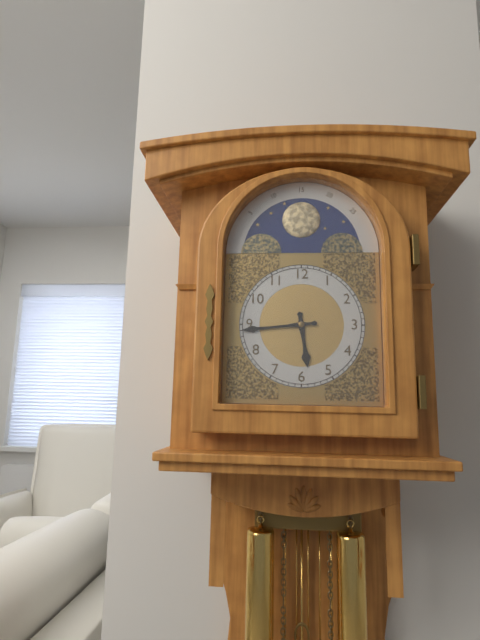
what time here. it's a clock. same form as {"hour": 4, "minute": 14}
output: {"hour": 5, "minute": 44}
